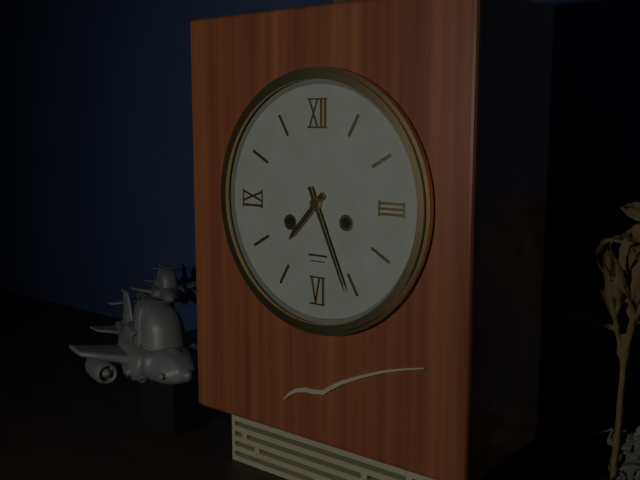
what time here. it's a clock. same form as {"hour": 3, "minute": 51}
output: {"hour": 7, "minute": 26}
